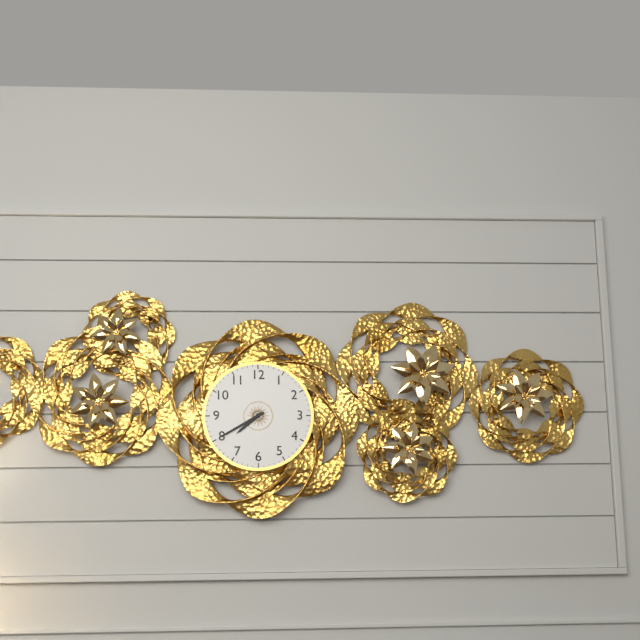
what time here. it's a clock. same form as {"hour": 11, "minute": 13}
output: {"hour": 7, "minute": 40}
